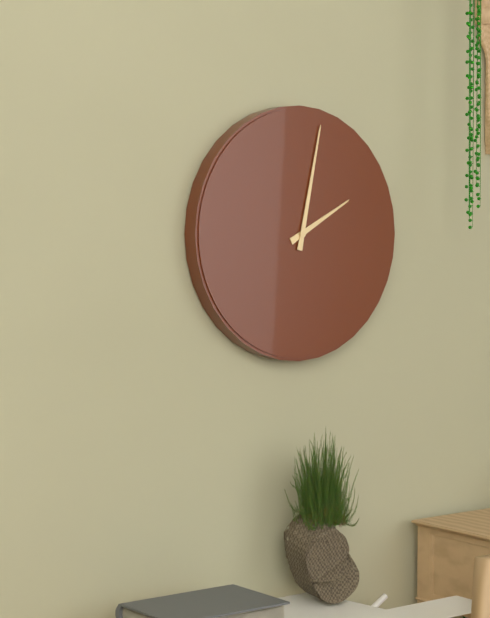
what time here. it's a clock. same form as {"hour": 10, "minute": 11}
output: {"hour": 2, "minute": 2}
